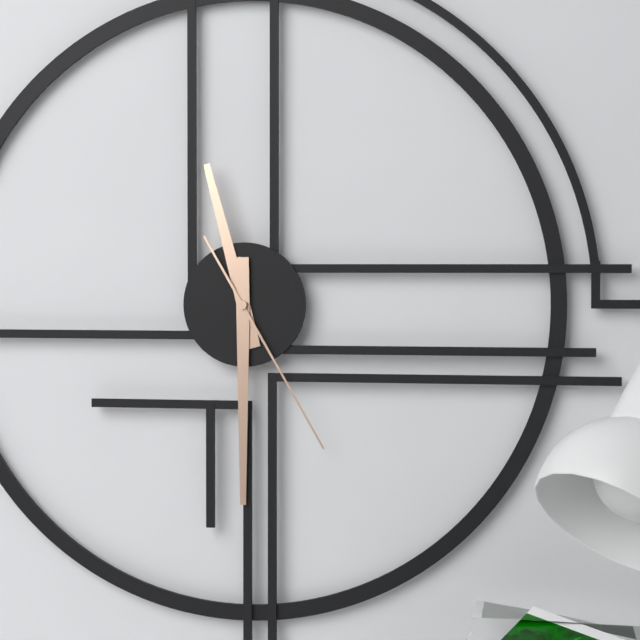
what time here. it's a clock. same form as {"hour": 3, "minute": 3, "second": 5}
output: {"hour": 11, "minute": 30, "second": 25}
